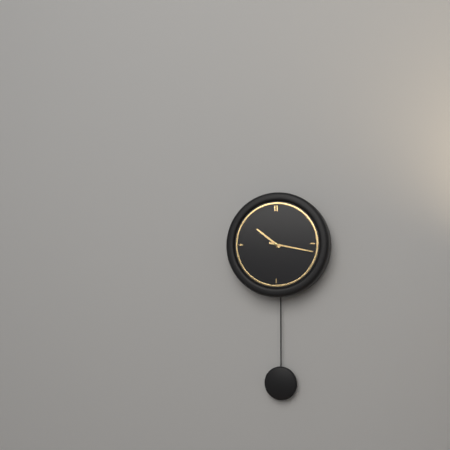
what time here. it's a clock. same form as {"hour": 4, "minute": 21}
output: {"hour": 10, "minute": 17}
